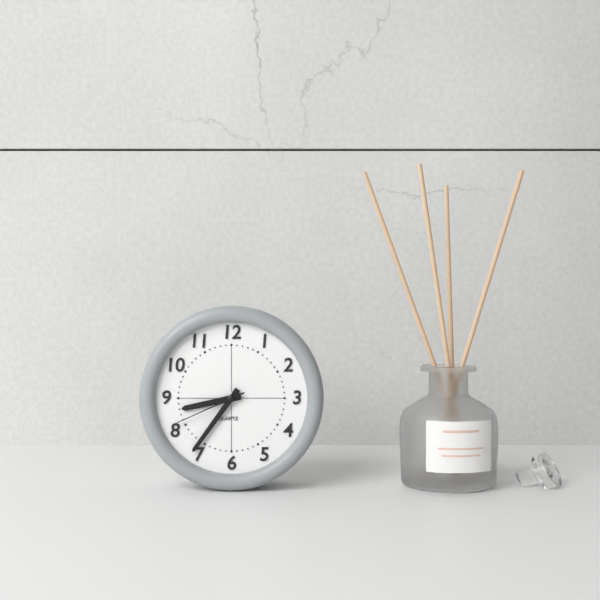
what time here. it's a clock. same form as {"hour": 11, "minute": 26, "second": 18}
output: {"hour": 8, "minute": 36, "second": 41}
